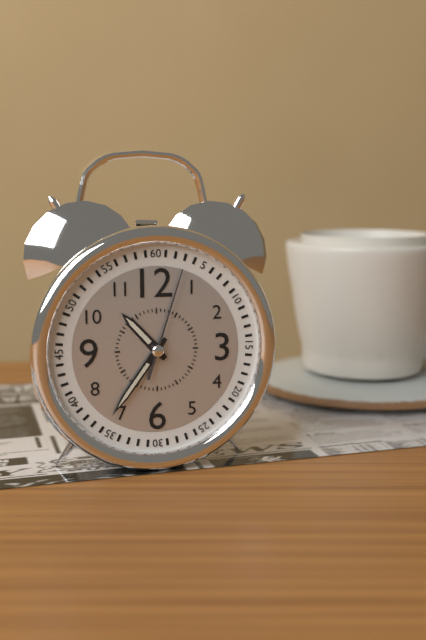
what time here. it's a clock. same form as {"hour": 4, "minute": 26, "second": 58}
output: {"hour": 10, "minute": 36, "second": 3}
